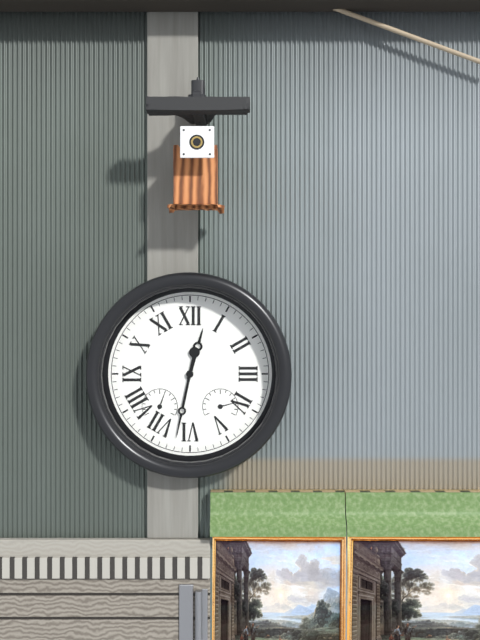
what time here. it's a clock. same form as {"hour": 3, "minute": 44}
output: {"hour": 12, "minute": 32}
